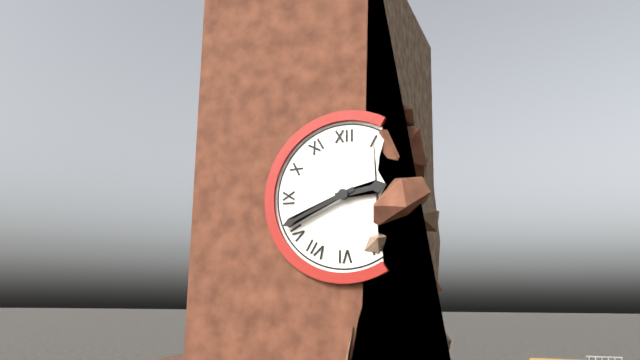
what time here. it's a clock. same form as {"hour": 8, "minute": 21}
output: {"hour": 2, "minute": 41}
